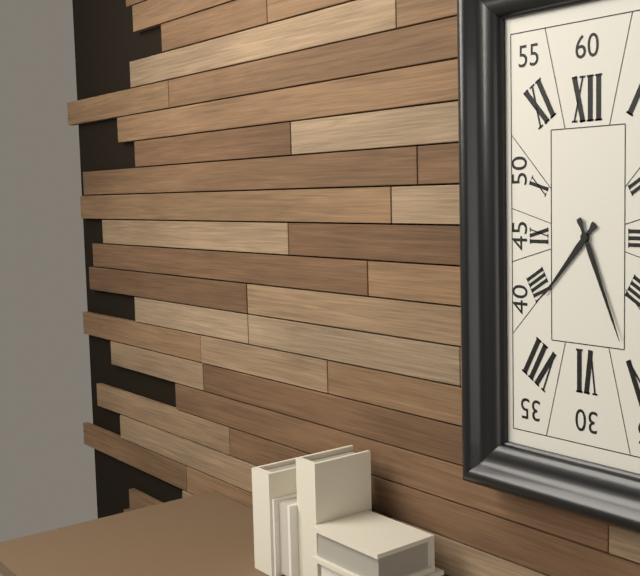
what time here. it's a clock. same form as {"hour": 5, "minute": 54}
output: {"hour": 7, "minute": 26}
